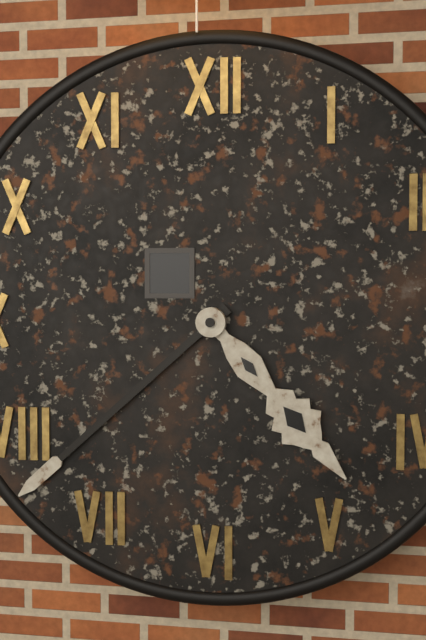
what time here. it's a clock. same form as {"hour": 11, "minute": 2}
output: {"hour": 4, "minute": 38}
